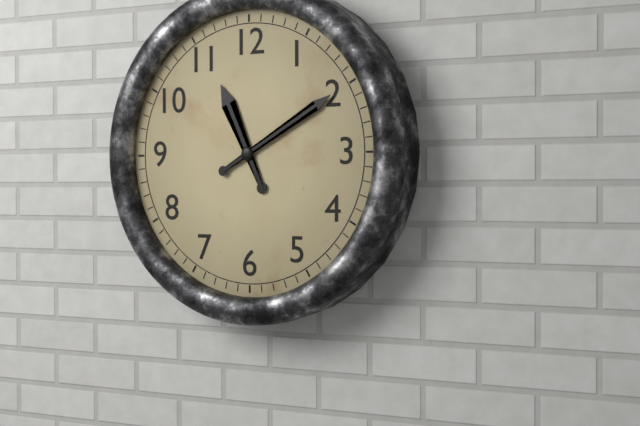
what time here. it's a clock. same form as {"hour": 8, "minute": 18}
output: {"hour": 11, "minute": 10}
